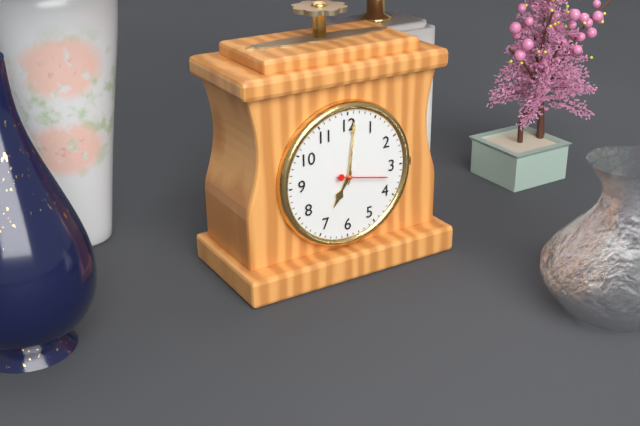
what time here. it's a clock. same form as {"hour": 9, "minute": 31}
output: {"hour": 7, "minute": 1}
